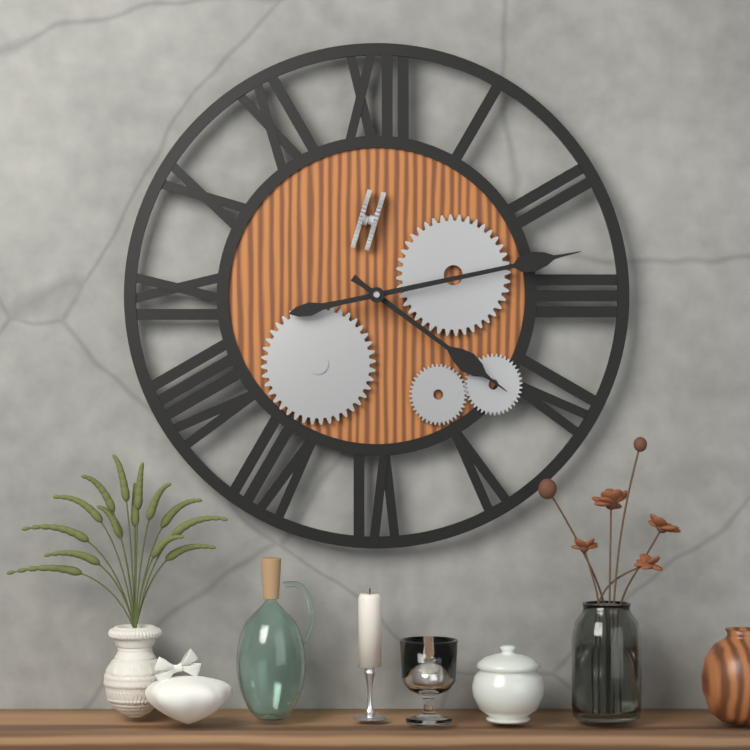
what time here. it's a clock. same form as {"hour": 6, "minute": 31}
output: {"hour": 4, "minute": 13}
